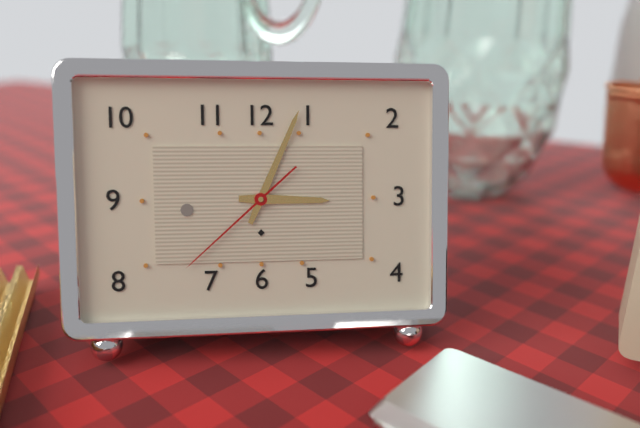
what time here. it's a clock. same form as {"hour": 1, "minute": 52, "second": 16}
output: {"hour": 3, "minute": 4, "second": 38}
